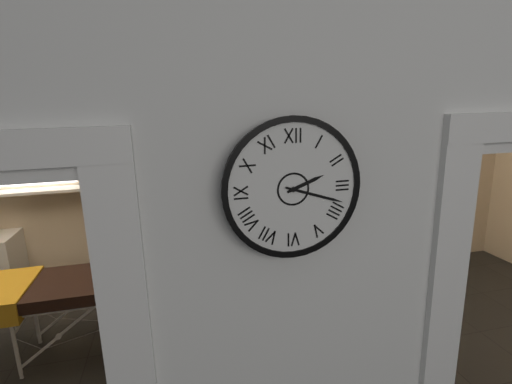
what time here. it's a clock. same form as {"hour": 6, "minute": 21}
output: {"hour": 2, "minute": 18}
